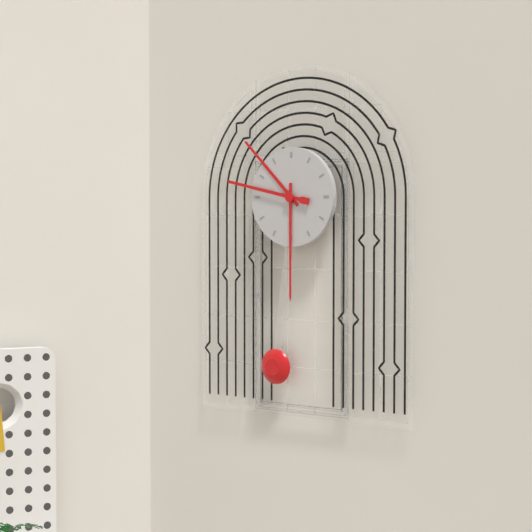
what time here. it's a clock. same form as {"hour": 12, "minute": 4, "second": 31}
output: {"hour": 10, "minute": 30, "second": 47}
